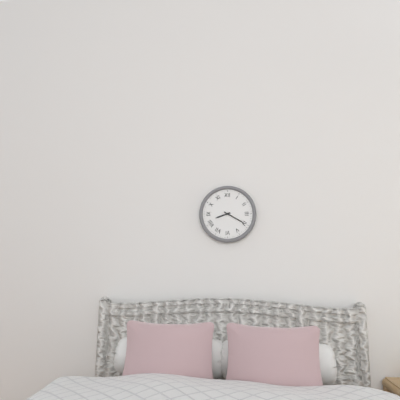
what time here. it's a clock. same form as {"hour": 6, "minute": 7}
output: {"hour": 8, "minute": 20}
